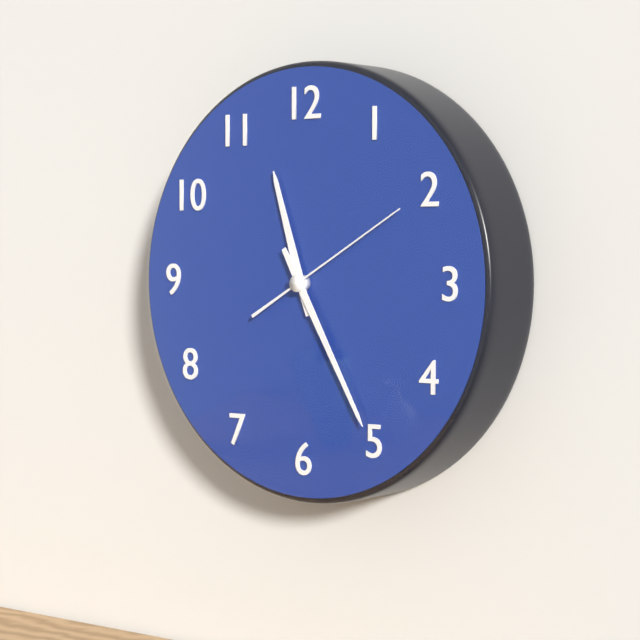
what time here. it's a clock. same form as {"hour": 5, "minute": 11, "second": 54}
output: {"hour": 11, "minute": 25, "second": 10}
